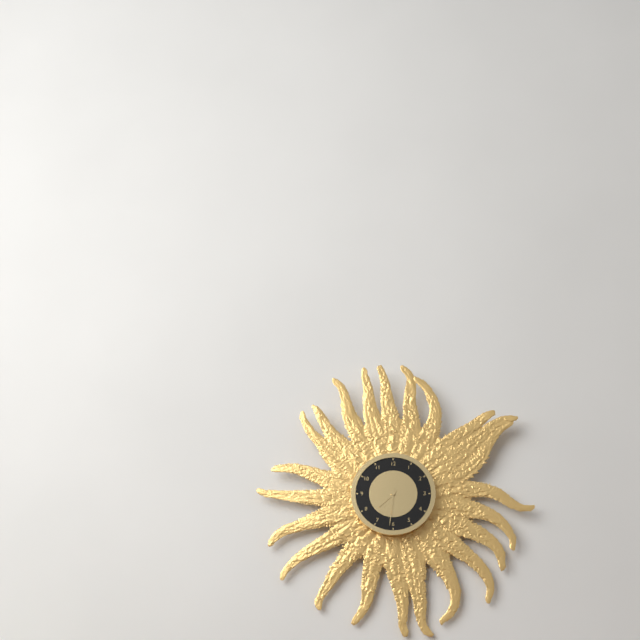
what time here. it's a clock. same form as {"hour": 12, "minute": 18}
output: {"hour": 7, "minute": 31}
